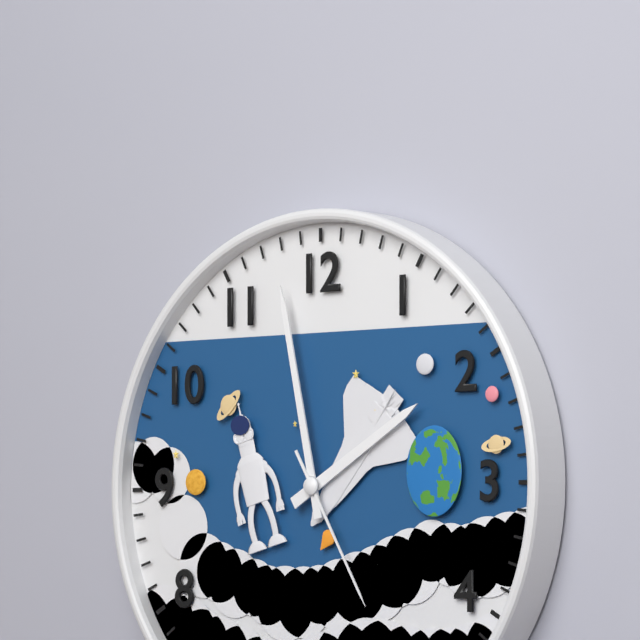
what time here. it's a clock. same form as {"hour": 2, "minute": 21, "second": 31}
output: {"hour": 1, "minute": 58, "second": 25}
